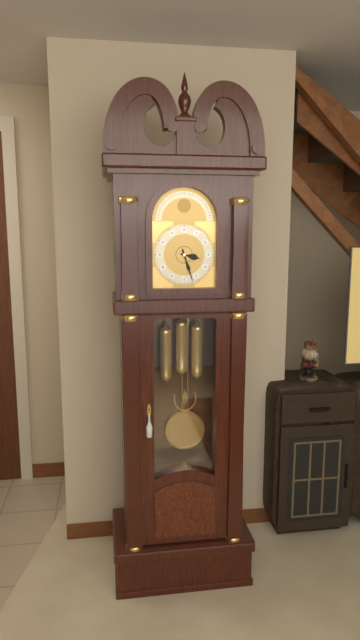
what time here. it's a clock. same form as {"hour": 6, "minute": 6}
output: {"hour": 3, "minute": 27}
